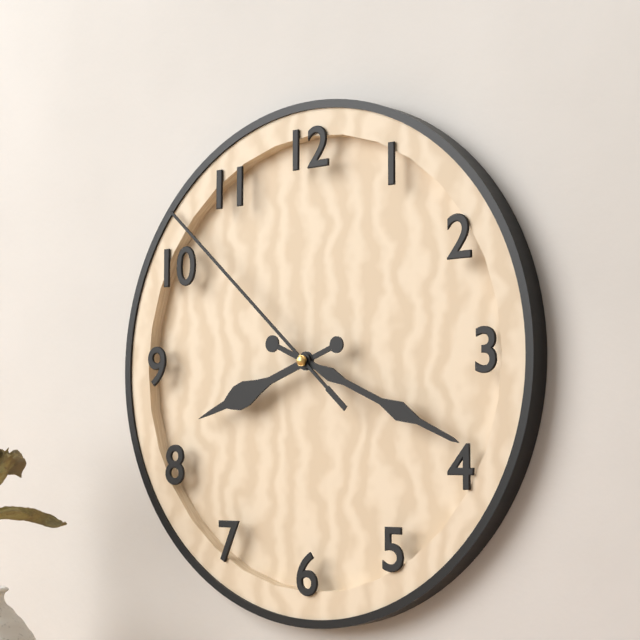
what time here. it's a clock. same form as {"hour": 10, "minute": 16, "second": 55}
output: {"hour": 8, "minute": 19, "second": 52}
